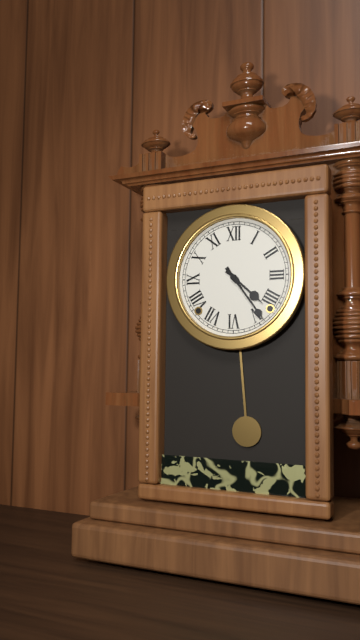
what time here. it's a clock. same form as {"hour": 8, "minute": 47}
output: {"hour": 4, "minute": 24}
